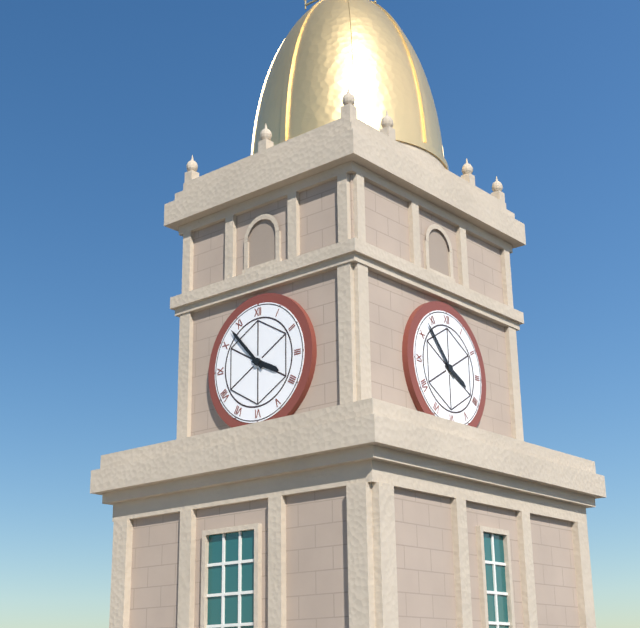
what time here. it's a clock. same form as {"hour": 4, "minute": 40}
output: {"hour": 3, "minute": 53}
